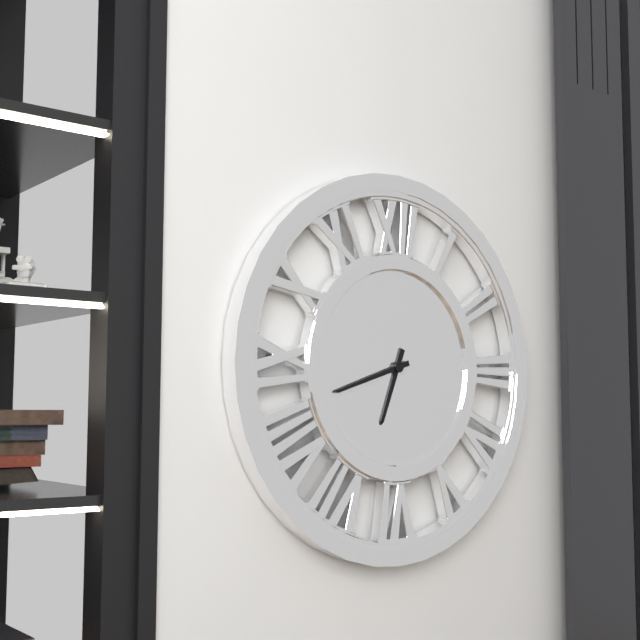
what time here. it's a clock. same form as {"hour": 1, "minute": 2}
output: {"hour": 6, "minute": 42}
